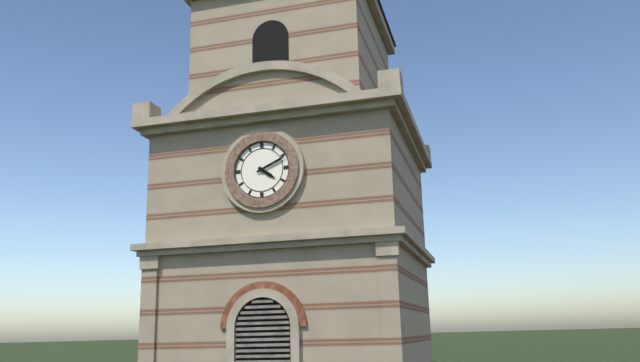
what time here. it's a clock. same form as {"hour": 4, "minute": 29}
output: {"hour": 4, "minute": 11}
